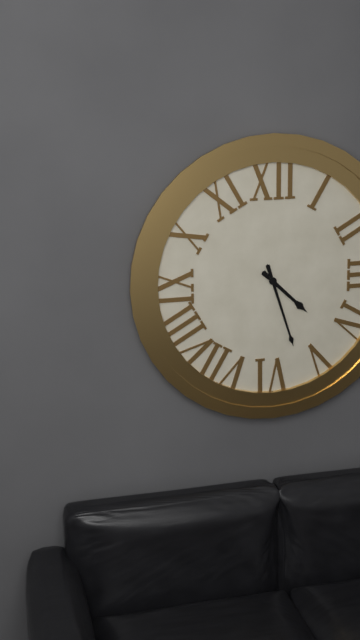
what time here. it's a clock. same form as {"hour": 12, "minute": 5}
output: {"hour": 4, "minute": 27}
